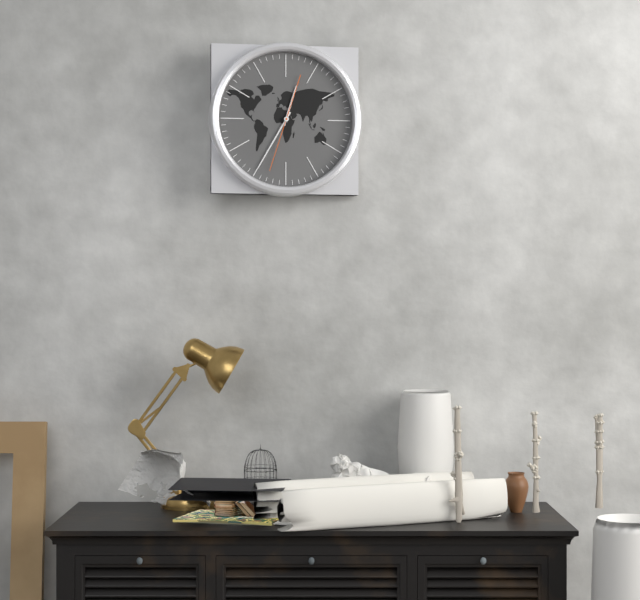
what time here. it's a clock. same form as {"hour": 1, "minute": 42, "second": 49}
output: {"hour": 12, "minute": 35, "second": 33}
